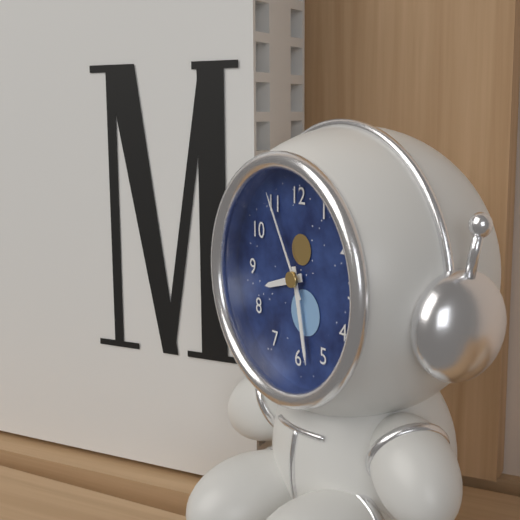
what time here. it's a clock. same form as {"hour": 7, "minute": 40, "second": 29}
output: {"hour": 8, "minute": 28, "second": 55}
